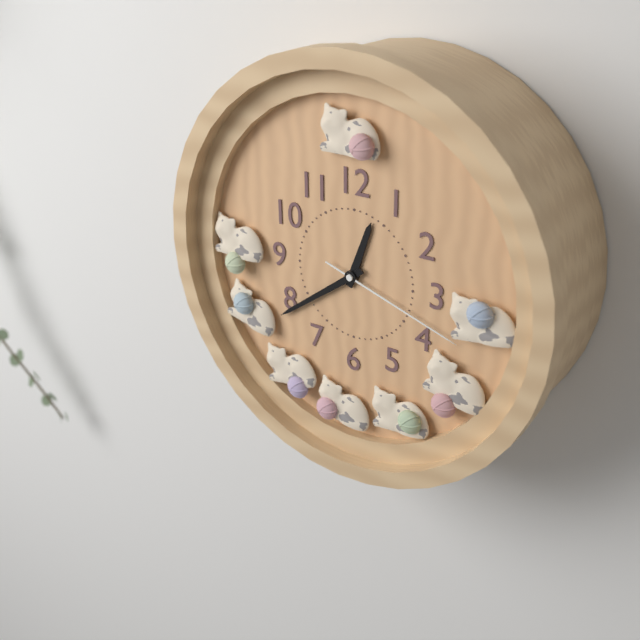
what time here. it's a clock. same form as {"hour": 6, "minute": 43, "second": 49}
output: {"hour": 12, "minute": 39, "second": 18}
